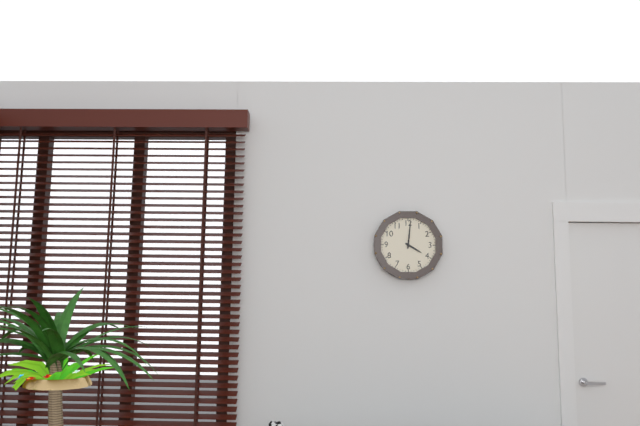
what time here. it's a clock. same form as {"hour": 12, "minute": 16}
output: {"hour": 4, "minute": 1}
